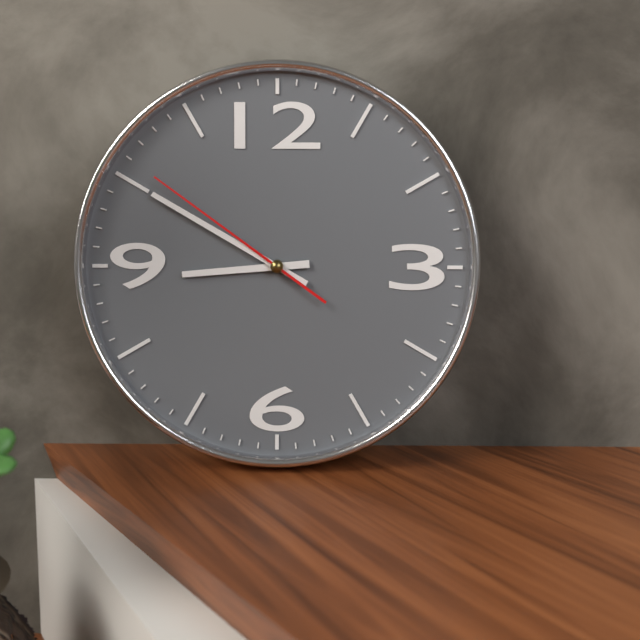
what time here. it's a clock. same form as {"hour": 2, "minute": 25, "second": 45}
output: {"hour": 8, "minute": 50, "second": 51}
